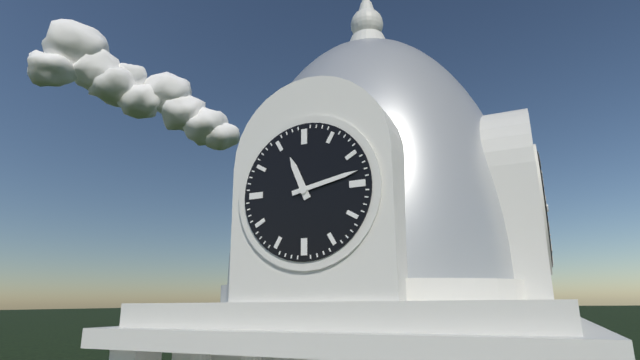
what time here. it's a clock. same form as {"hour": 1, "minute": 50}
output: {"hour": 11, "minute": 13}
